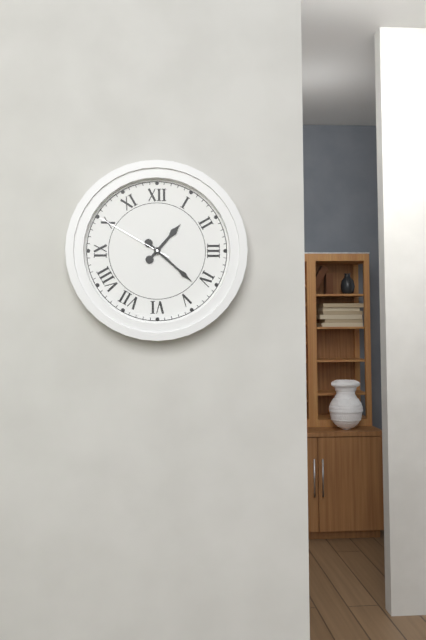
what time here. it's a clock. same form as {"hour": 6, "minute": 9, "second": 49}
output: {"hour": 1, "minute": 22, "second": 50}
